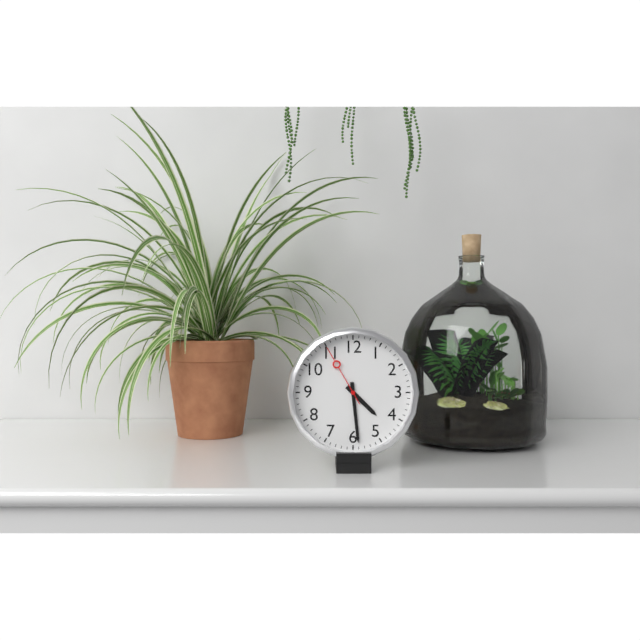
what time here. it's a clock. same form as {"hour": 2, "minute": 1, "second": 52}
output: {"hour": 4, "minute": 29, "second": 55}
